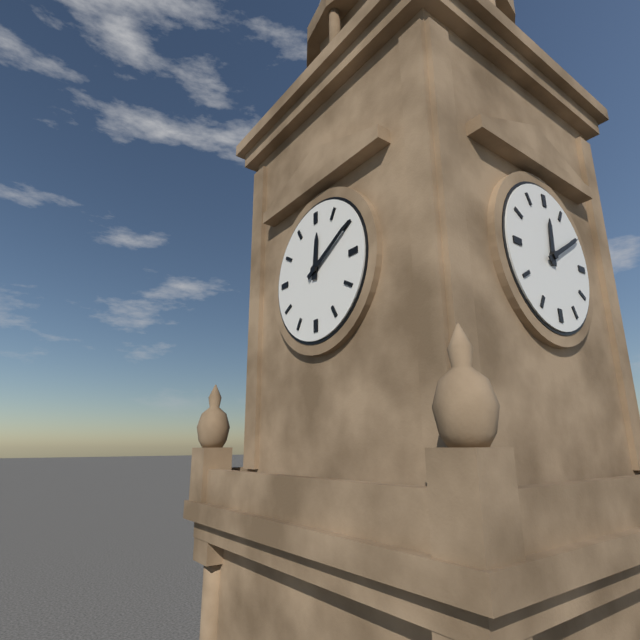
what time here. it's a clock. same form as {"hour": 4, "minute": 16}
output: {"hour": 12, "minute": 10}
